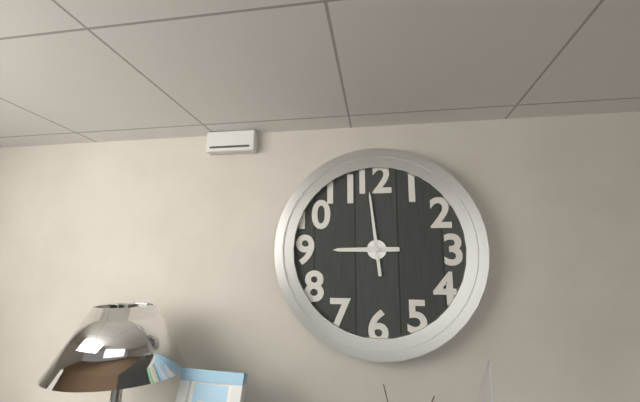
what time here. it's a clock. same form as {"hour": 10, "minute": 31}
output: {"hour": 8, "minute": 59}
